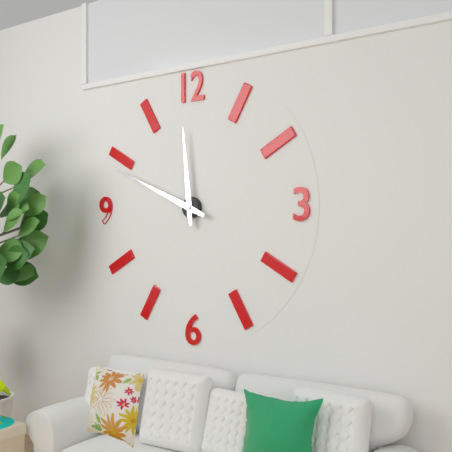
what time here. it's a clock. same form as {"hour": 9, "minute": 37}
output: {"hour": 11, "minute": 49}
